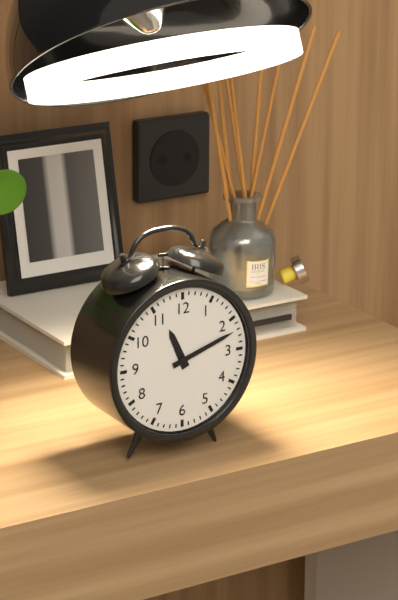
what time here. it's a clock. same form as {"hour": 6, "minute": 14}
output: {"hour": 11, "minute": 12}
